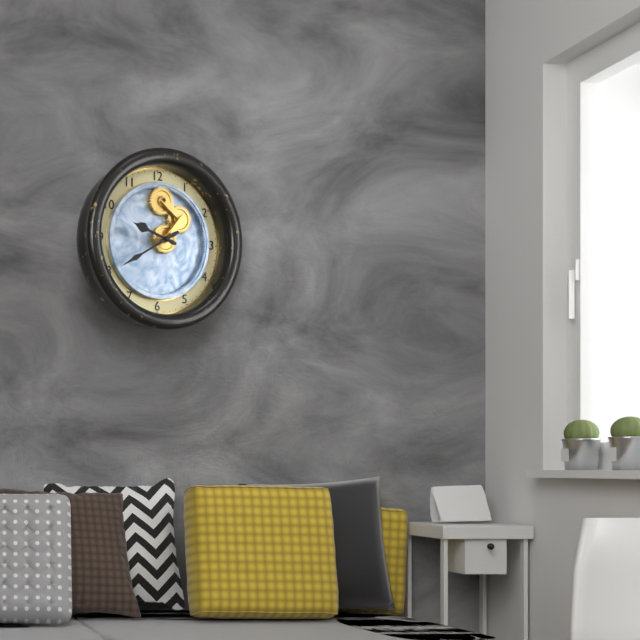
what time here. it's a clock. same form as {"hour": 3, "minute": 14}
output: {"hour": 9, "minute": 40}
